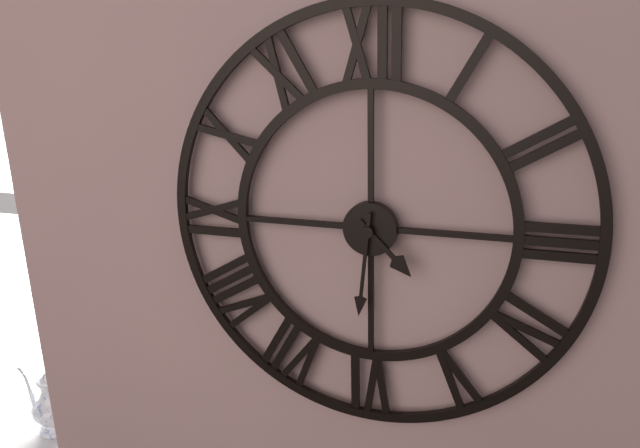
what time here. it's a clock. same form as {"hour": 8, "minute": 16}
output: {"hour": 4, "minute": 31}
